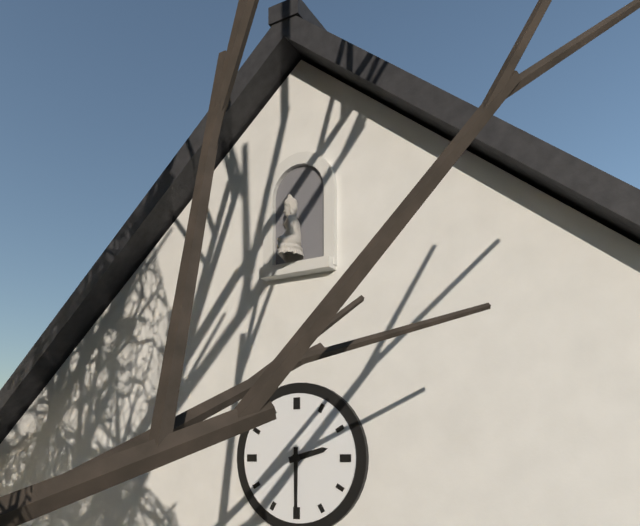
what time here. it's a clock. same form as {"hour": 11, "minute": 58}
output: {"hour": 2, "minute": 30}
